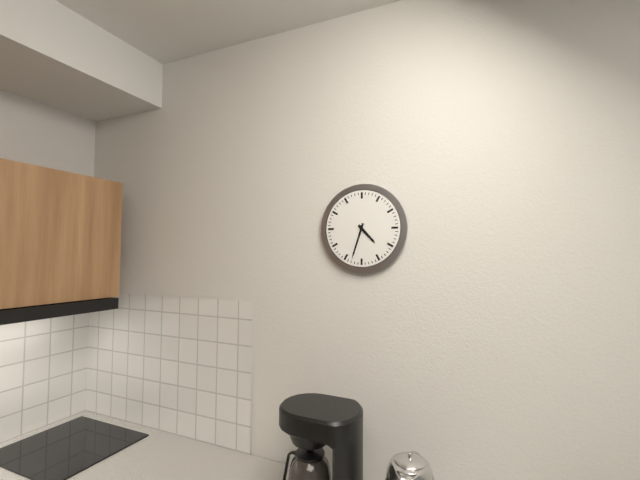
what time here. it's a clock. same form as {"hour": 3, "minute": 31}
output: {"hour": 4, "minute": 33}
